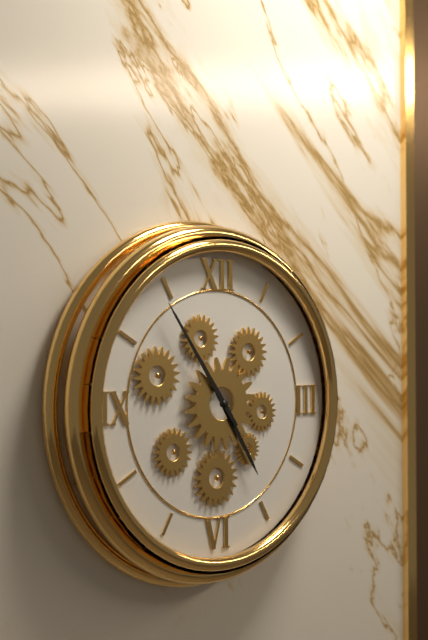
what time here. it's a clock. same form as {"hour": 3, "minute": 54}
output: {"hour": 4, "minute": 54}
